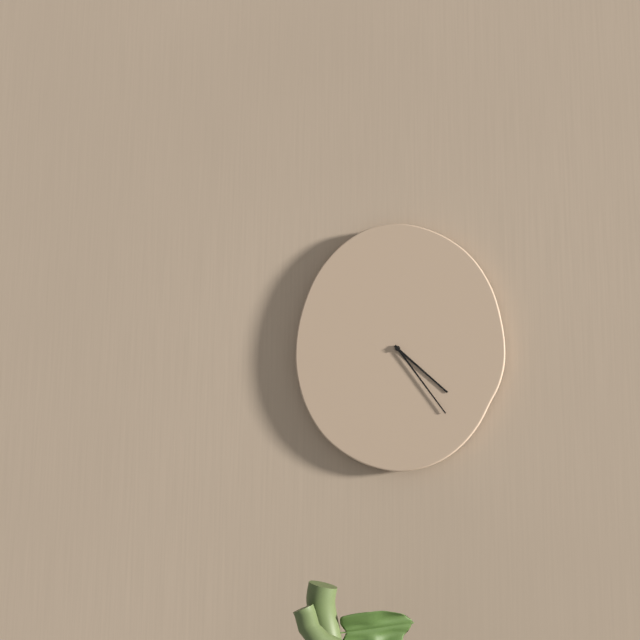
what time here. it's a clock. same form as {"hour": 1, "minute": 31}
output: {"hour": 4, "minute": 24}
